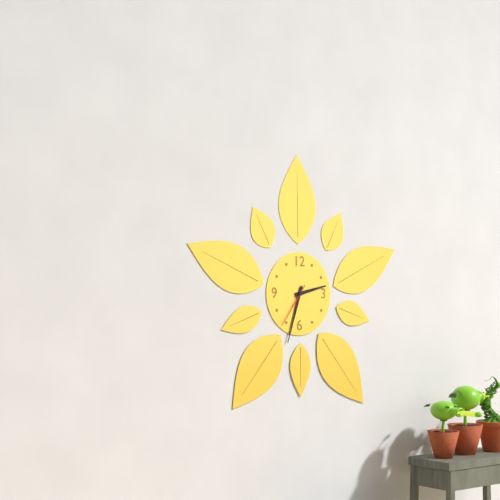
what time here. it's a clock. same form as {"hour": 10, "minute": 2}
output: {"hour": 2, "minute": 33}
